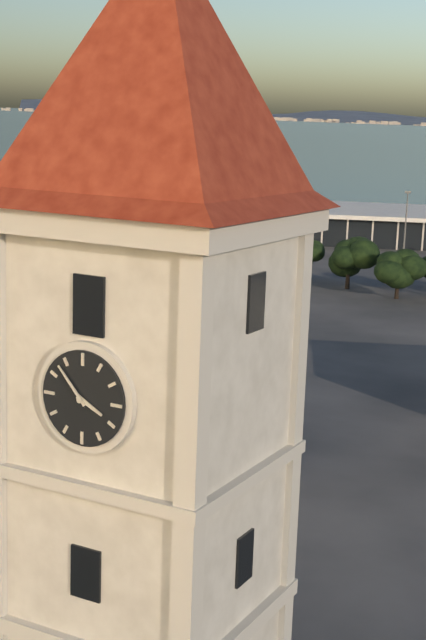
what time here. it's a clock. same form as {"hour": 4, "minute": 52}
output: {"hour": 3, "minute": 53}
